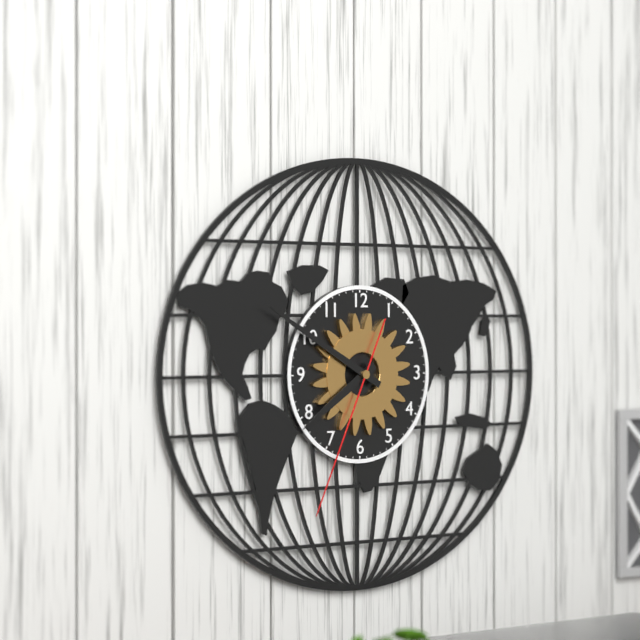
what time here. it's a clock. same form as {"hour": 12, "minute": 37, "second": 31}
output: {"hour": 7, "minute": 50, "second": 34}
